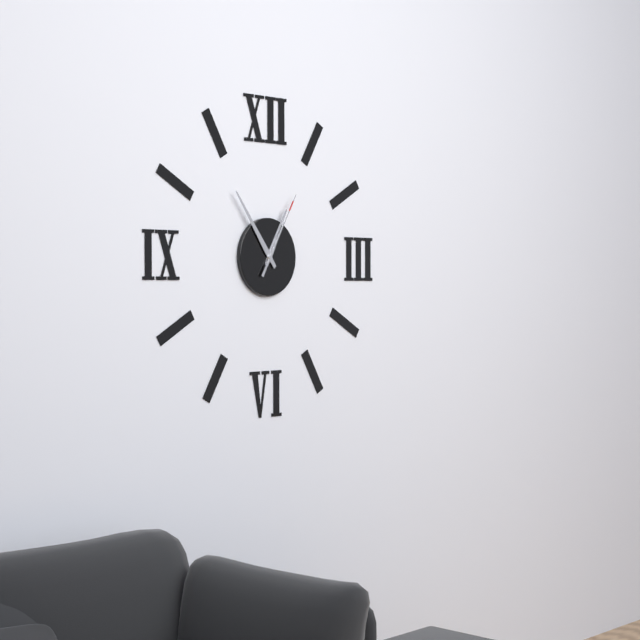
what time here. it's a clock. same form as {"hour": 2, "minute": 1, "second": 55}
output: {"hour": 12, "minute": 54, "second": 5}
